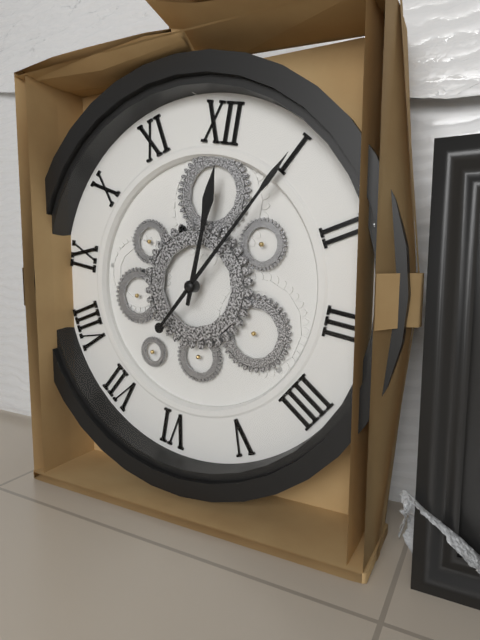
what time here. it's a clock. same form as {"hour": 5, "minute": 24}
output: {"hour": 12, "minute": 5}
